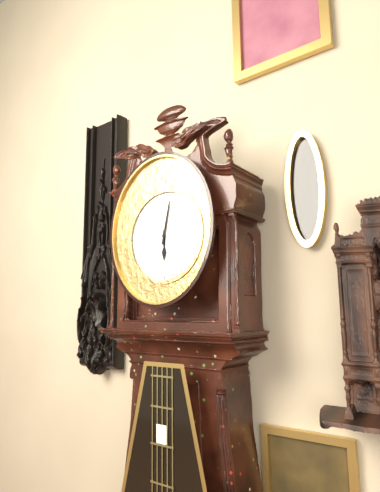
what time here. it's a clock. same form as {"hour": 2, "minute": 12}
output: {"hour": 6, "minute": 2}
